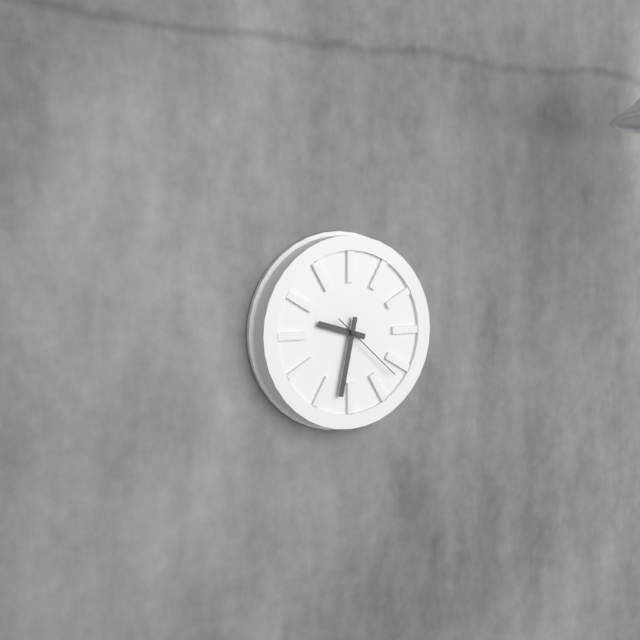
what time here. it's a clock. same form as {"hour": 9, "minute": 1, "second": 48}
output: {"hour": 9, "minute": 32, "second": 22}
